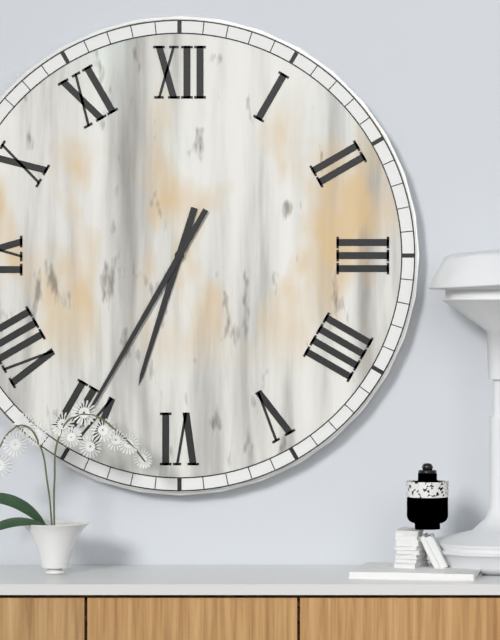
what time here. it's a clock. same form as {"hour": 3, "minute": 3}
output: {"hour": 6, "minute": 35}
